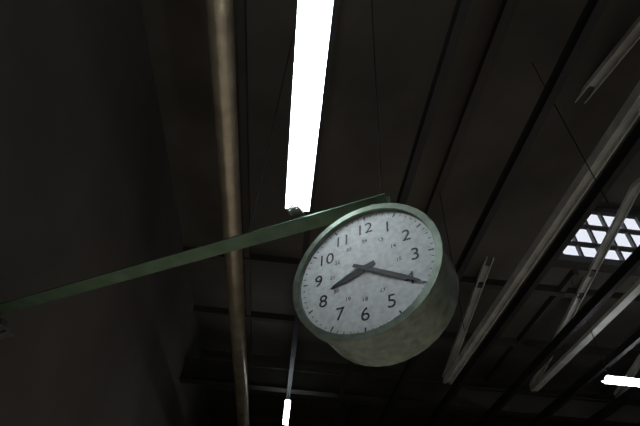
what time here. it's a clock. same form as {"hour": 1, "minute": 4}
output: {"hour": 8, "minute": 20}
